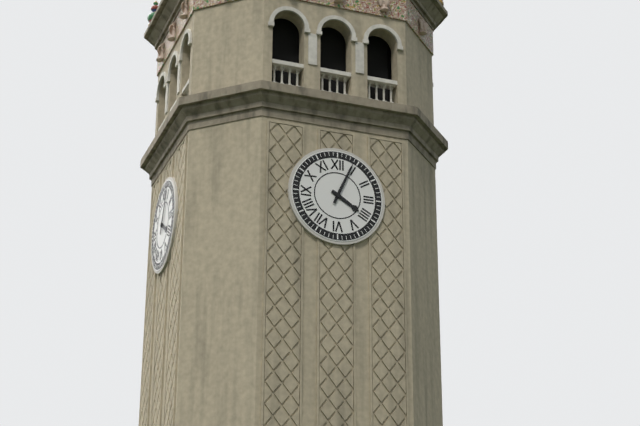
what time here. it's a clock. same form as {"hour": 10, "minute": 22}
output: {"hour": 4, "minute": 4}
